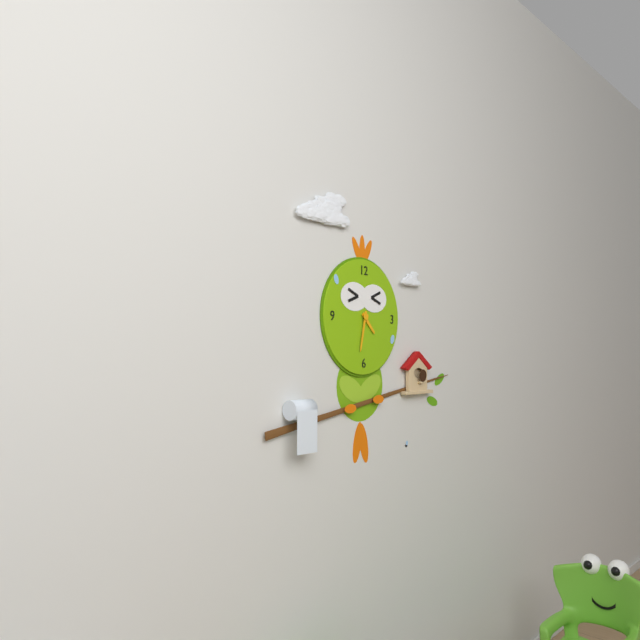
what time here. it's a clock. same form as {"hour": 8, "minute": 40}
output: {"hour": 4, "minute": 32}
